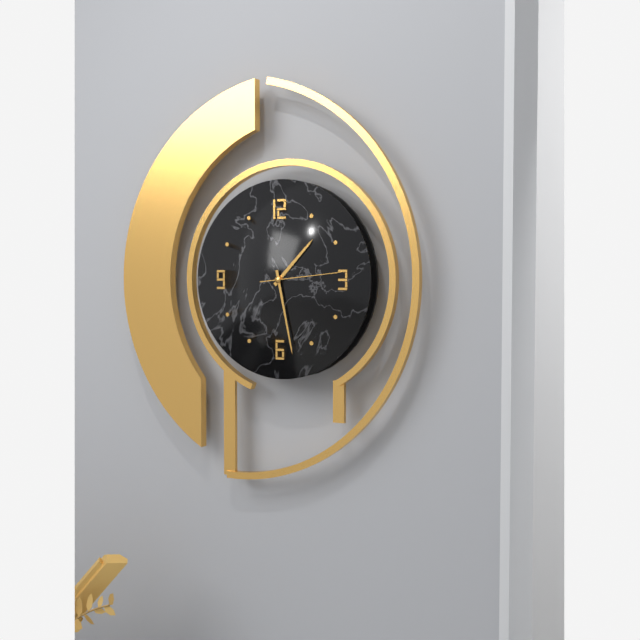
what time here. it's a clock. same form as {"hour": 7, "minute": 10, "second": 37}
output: {"hour": 1, "minute": 28, "second": 14}
